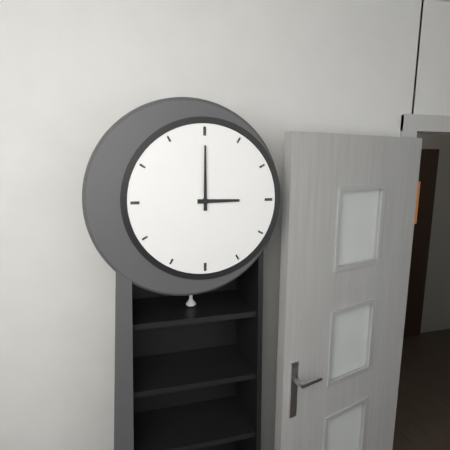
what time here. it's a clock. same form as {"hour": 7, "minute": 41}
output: {"hour": 3, "minute": 0}
